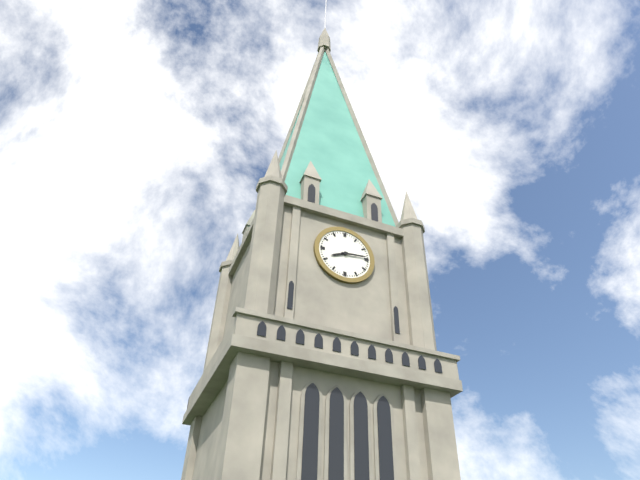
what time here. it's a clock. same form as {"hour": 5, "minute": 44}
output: {"hour": 8, "minute": 14}
